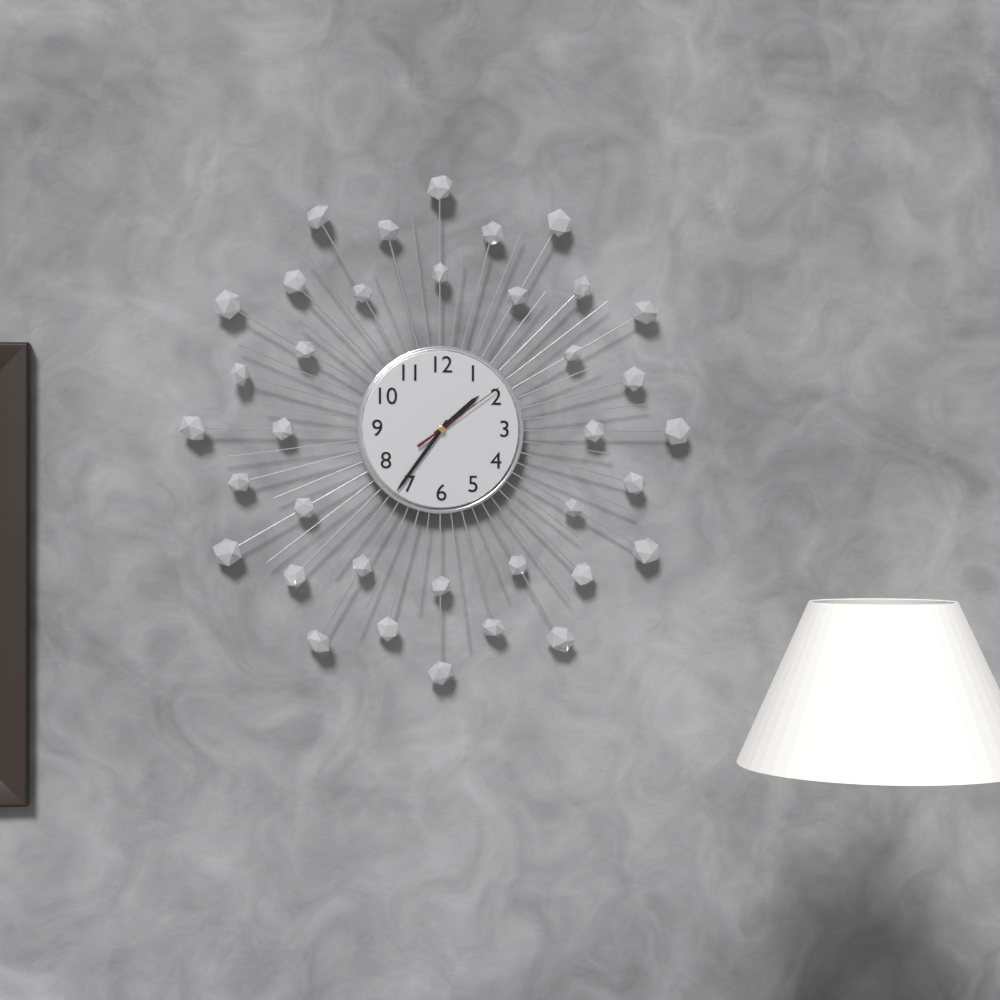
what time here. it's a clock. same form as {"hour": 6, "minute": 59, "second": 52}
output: {"hour": 1, "minute": 36, "second": 9}
